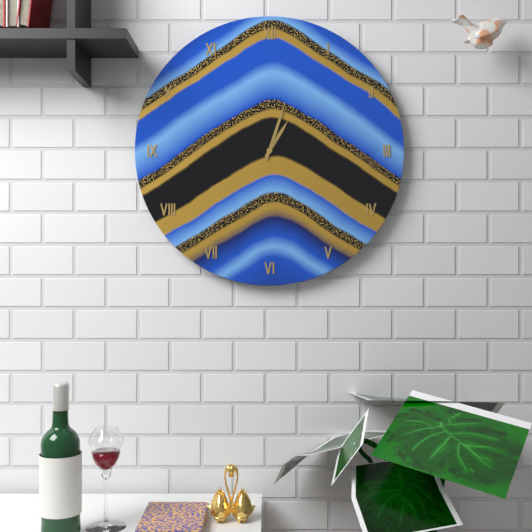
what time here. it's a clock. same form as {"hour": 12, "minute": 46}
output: {"hour": 1, "minute": 3}
